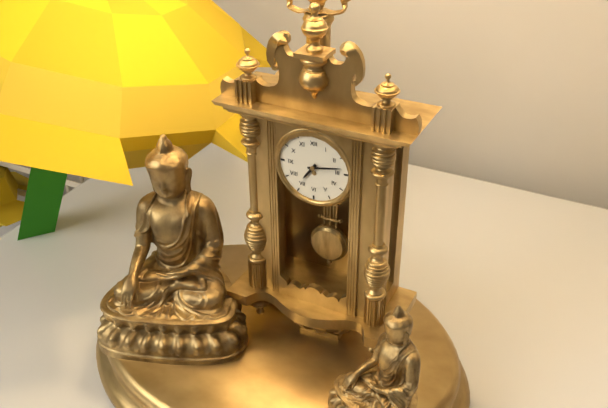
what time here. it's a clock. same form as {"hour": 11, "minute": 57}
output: {"hour": 7, "minute": 13}
